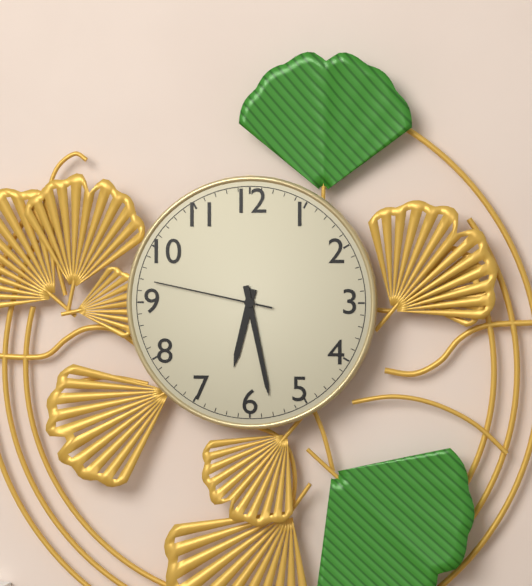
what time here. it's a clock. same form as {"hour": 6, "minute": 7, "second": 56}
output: {"hour": 6, "minute": 28, "second": 47}
